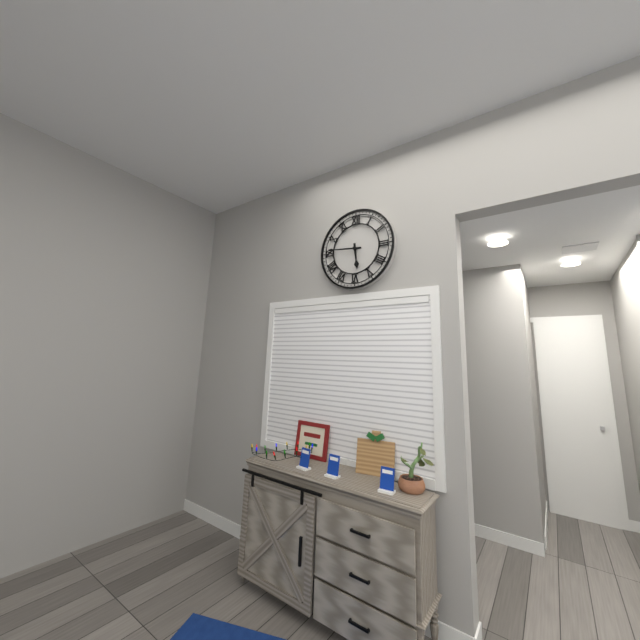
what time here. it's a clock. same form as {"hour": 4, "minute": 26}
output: {"hour": 5, "minute": 46}
